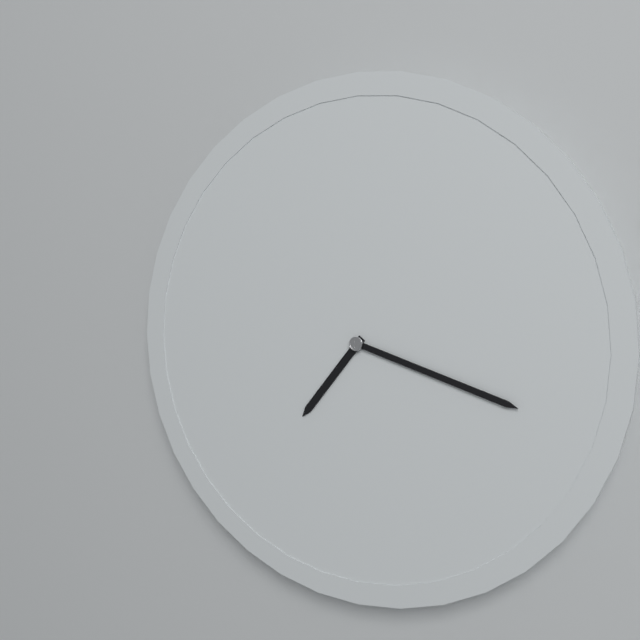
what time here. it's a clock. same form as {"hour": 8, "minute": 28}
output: {"hour": 7, "minute": 18}
